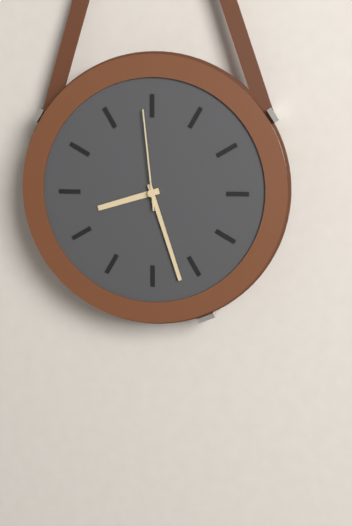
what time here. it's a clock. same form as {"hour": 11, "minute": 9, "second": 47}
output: {"hour": 8, "minute": 27, "second": 59}
